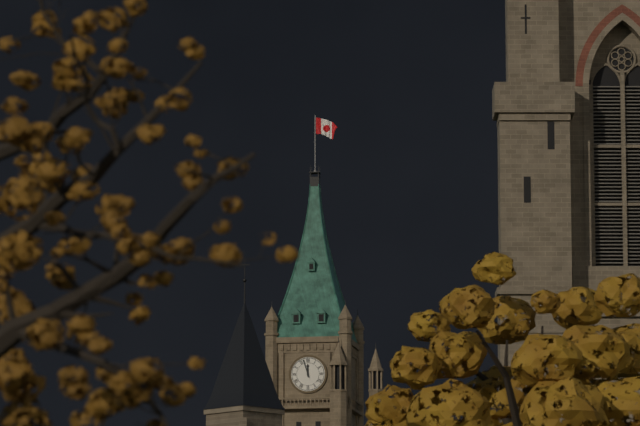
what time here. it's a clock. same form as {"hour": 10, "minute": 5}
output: {"hour": 11, "minute": 57}
